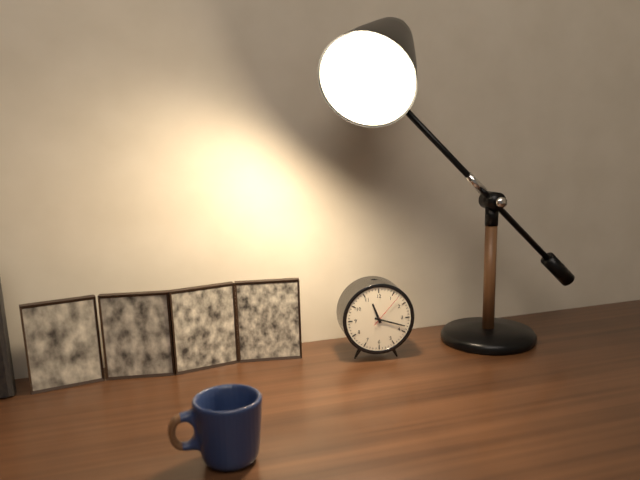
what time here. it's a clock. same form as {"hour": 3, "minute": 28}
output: {"hour": 11, "minute": 18}
